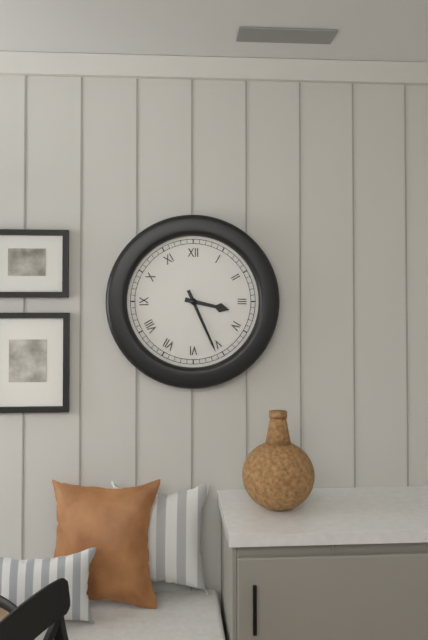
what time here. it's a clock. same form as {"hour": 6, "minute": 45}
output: {"hour": 3, "minute": 26}
